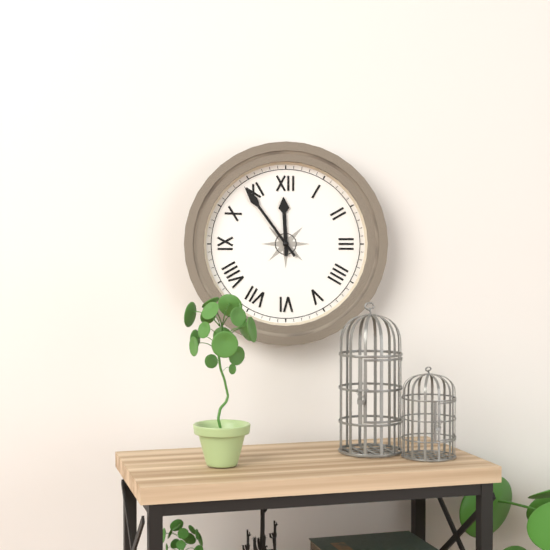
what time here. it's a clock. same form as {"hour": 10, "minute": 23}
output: {"hour": 11, "minute": 54}
